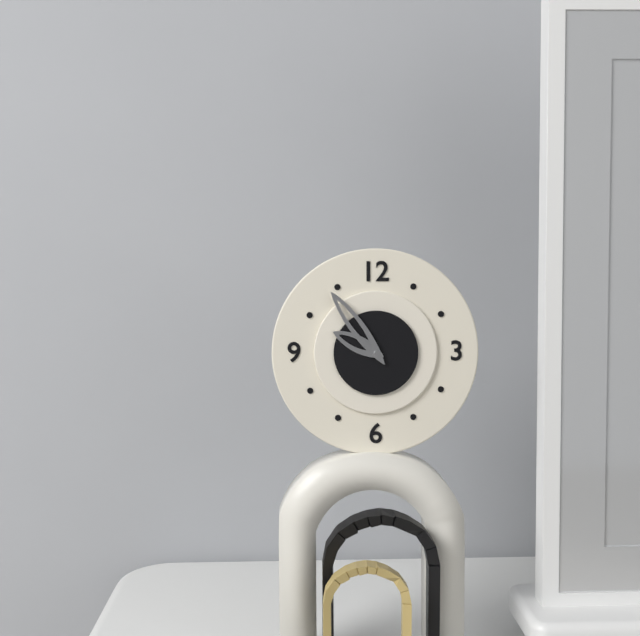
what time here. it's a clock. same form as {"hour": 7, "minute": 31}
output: {"hour": 9, "minute": 54}
